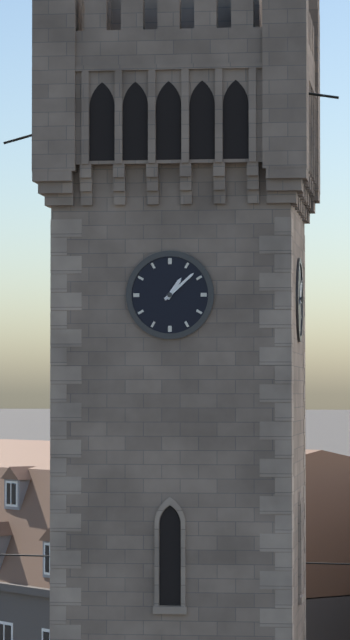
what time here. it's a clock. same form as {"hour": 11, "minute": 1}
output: {"hour": 1, "minute": 8}
